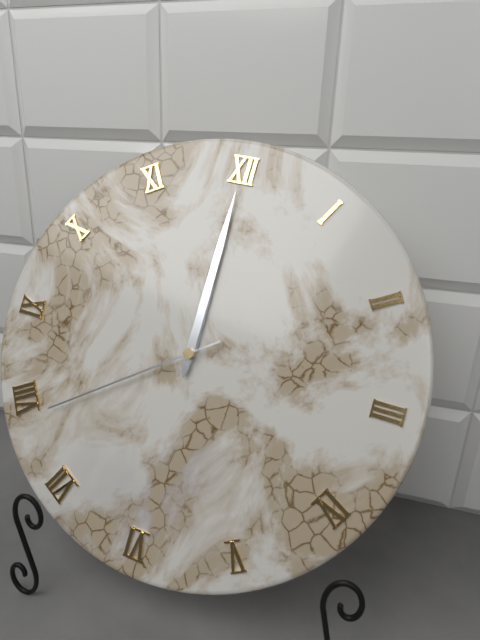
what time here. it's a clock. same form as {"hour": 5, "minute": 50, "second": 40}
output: {"hour": 12, "minute": 0, "second": 39}
